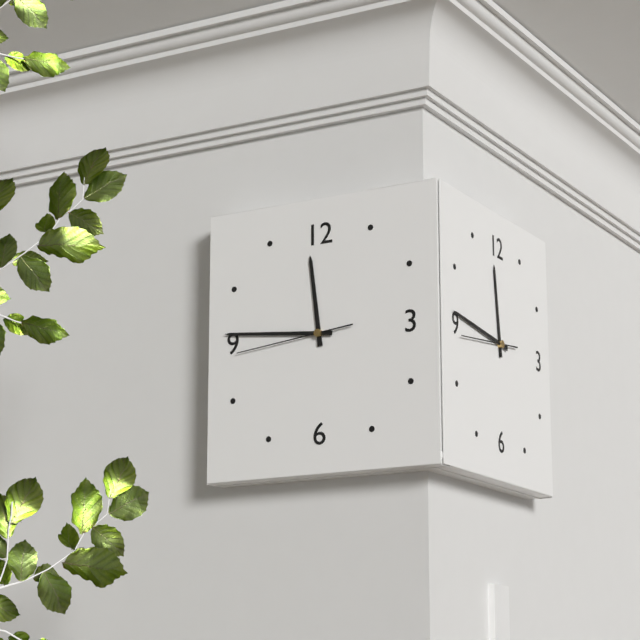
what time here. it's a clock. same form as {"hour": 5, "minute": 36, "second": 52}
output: {"hour": 11, "minute": 46, "second": 44}
